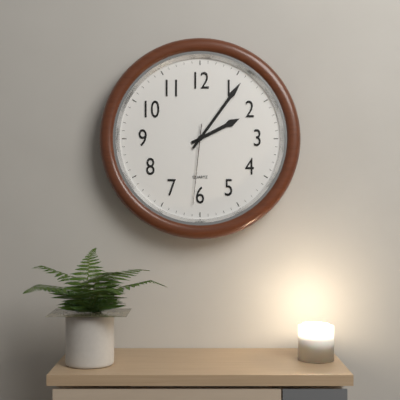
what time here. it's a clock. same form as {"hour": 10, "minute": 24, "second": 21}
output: {"hour": 2, "minute": 6, "second": 31}
